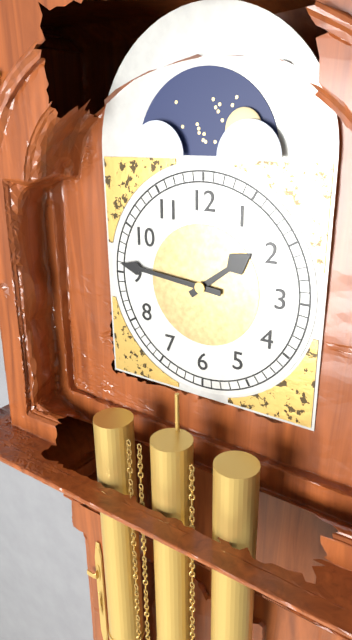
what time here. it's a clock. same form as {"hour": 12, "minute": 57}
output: {"hour": 1, "minute": 46}
